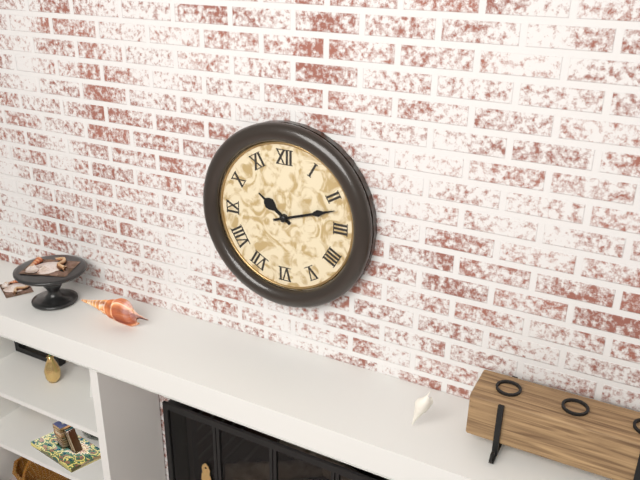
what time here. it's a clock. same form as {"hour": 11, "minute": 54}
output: {"hour": 10, "minute": 12}
